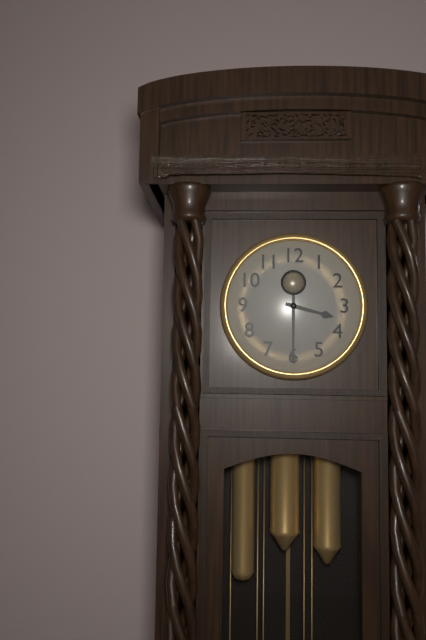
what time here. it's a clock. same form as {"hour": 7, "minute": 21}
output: {"hour": 3, "minute": 30}
